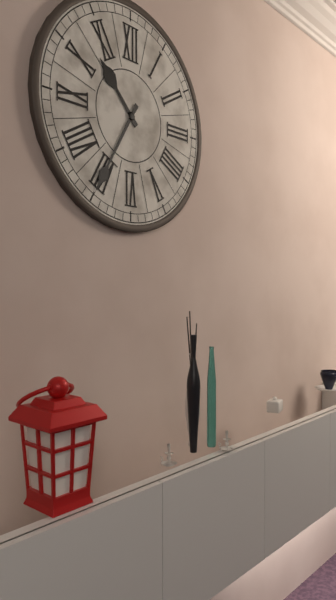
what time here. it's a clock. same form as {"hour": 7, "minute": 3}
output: {"hour": 10, "minute": 35}
